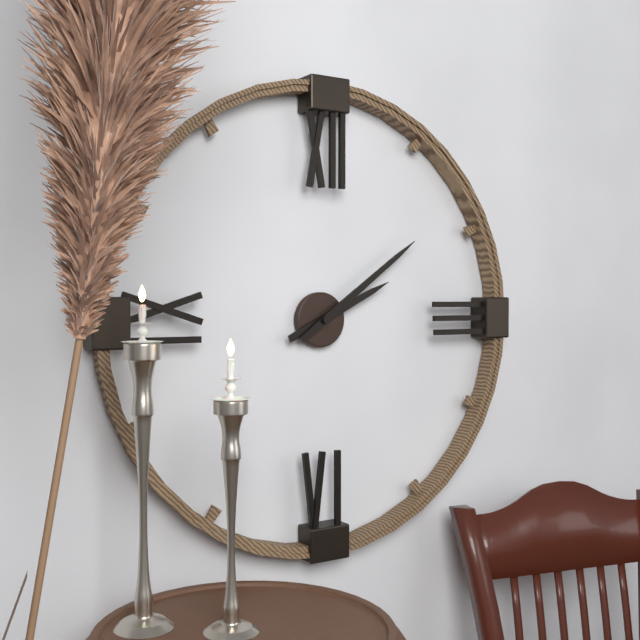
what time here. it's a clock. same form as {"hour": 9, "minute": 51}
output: {"hour": 2, "minute": 9}
